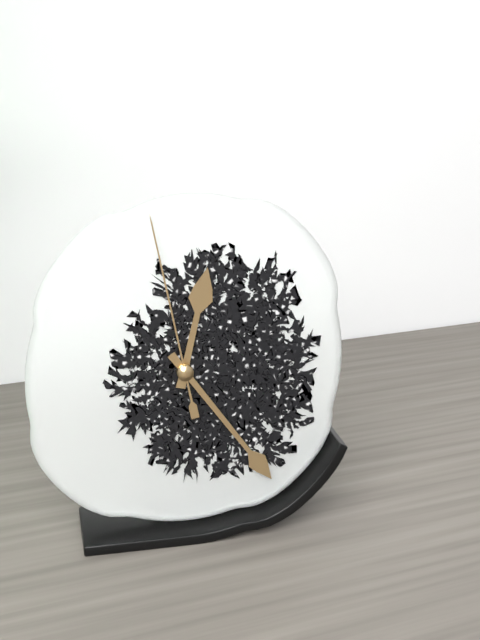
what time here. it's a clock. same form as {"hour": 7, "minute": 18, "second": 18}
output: {"hour": 12, "minute": 24, "second": 58}
